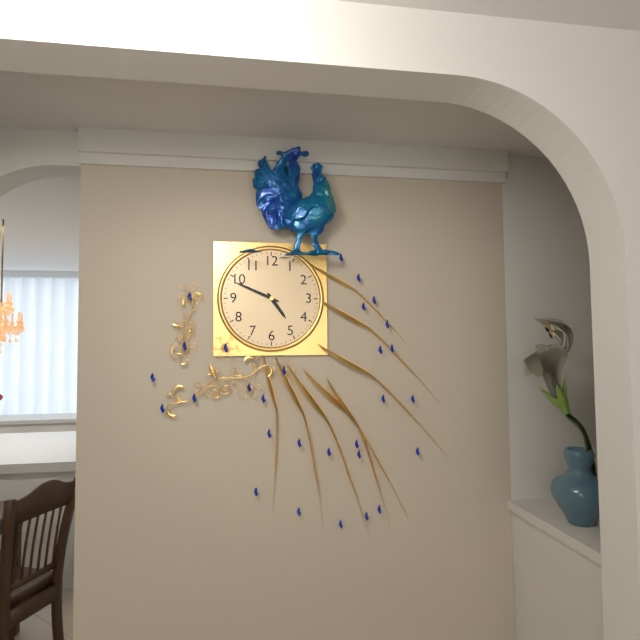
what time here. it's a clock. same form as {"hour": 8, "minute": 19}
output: {"hour": 4, "minute": 49}
